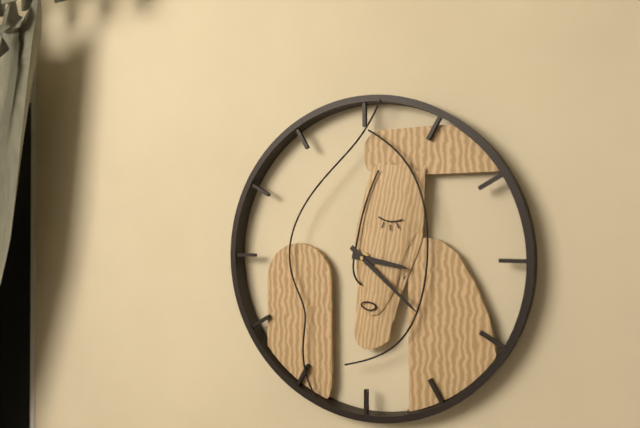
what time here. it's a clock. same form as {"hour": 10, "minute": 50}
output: {"hour": 3, "minute": 22}
